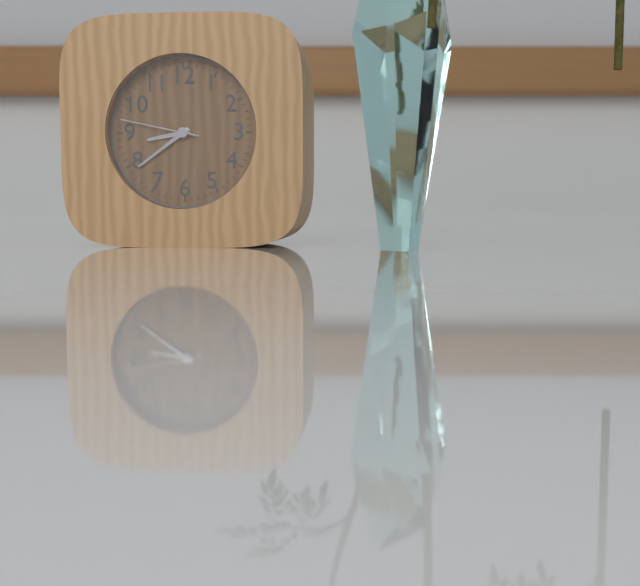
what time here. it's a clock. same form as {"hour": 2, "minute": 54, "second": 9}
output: {"hour": 8, "minute": 39, "second": 47}
